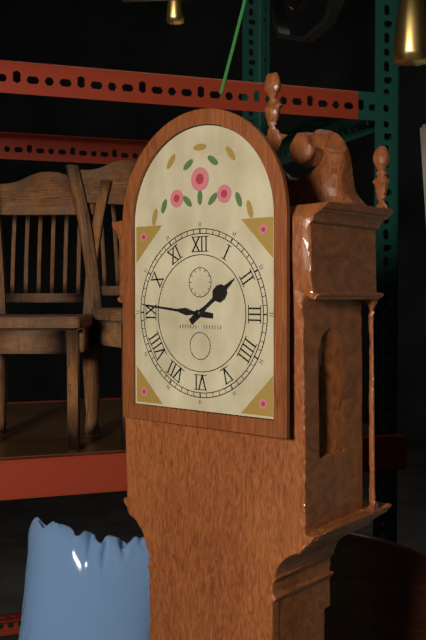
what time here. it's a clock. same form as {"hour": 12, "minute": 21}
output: {"hour": 1, "minute": 46}
